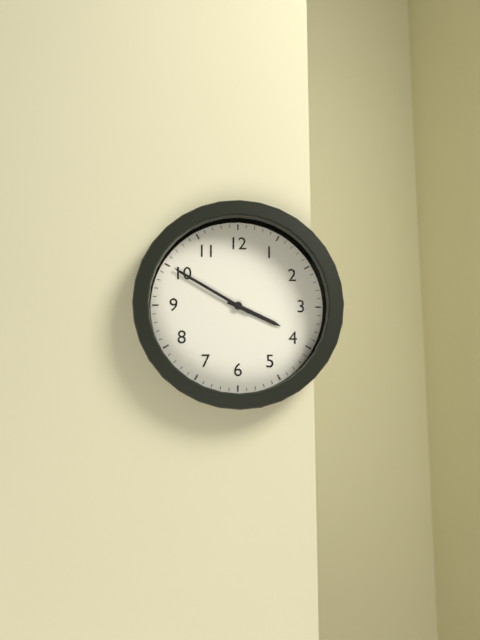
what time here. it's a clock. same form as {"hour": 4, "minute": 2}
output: {"hour": 3, "minute": 50}
